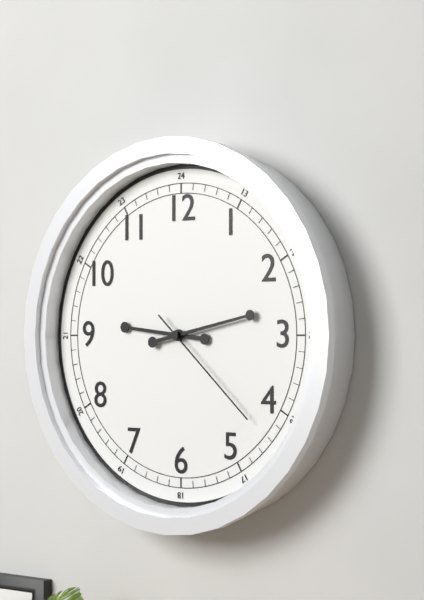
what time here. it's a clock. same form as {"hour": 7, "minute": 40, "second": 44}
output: {"hour": 9, "minute": 13, "second": 22}
